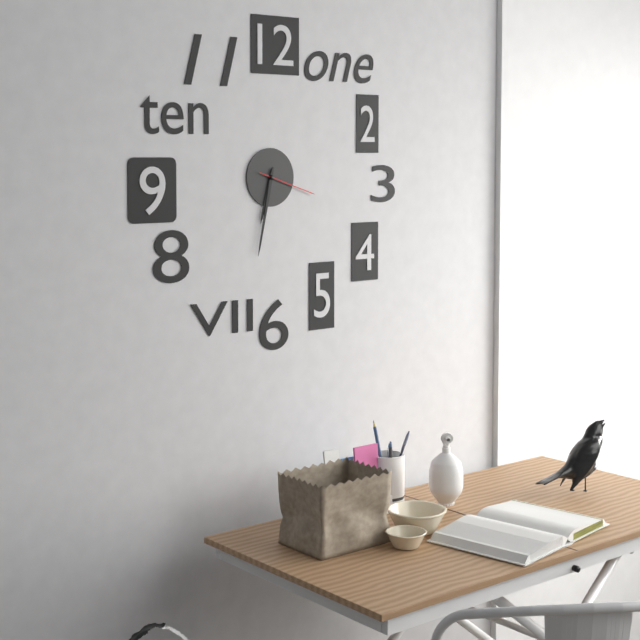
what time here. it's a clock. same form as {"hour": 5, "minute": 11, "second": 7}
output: {"hour": 6, "minute": 32, "second": 18}
